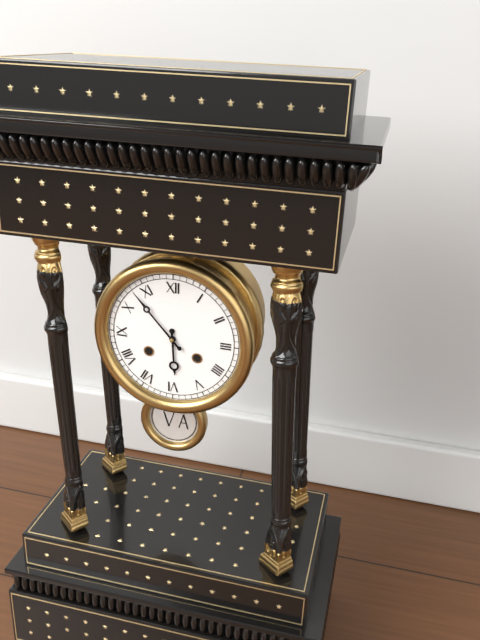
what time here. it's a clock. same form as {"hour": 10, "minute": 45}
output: {"hour": 5, "minute": 53}
